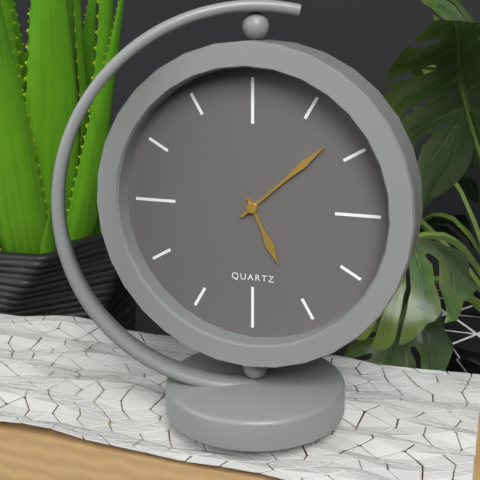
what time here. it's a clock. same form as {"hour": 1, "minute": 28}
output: {"hour": 5, "minute": 8}
